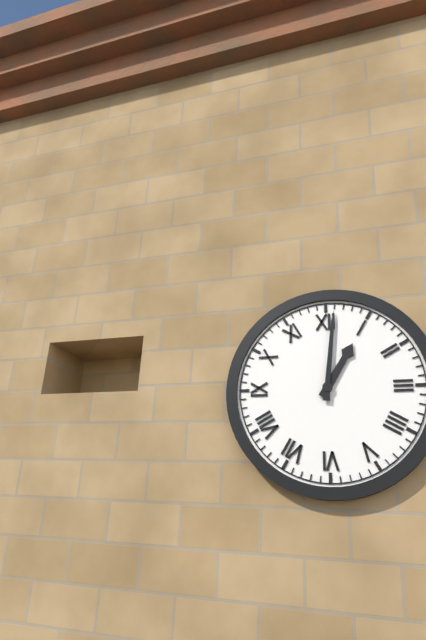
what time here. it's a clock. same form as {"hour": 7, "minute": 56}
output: {"hour": 1, "minute": 1}
